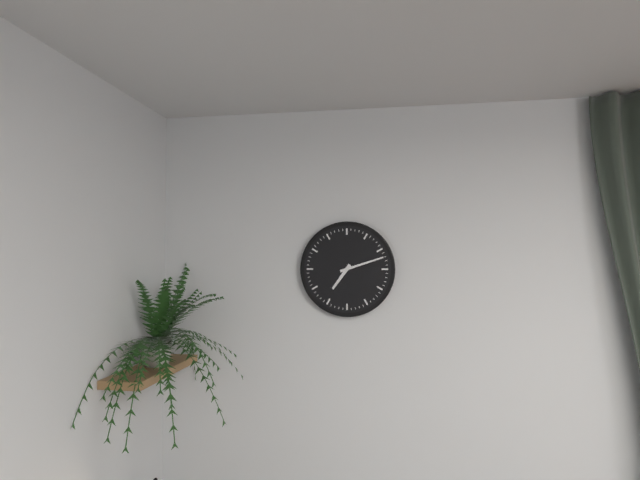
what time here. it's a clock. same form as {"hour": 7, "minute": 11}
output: {"hour": 7, "minute": 12}
